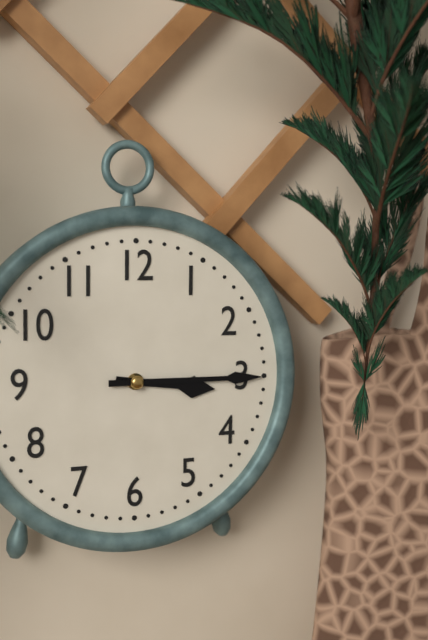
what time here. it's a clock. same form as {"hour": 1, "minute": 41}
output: {"hour": 3, "minute": 15}
